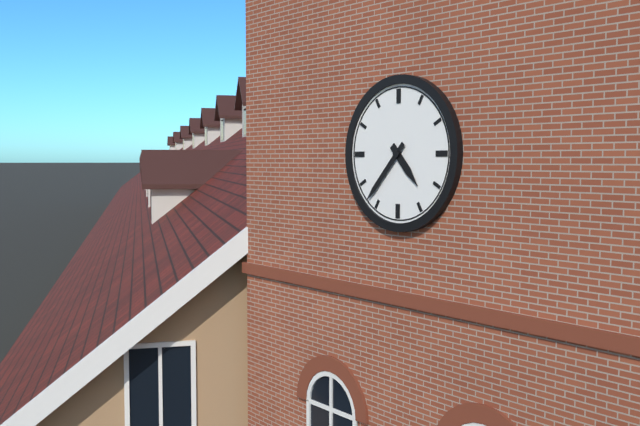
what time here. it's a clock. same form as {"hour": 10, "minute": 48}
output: {"hour": 4, "minute": 37}
